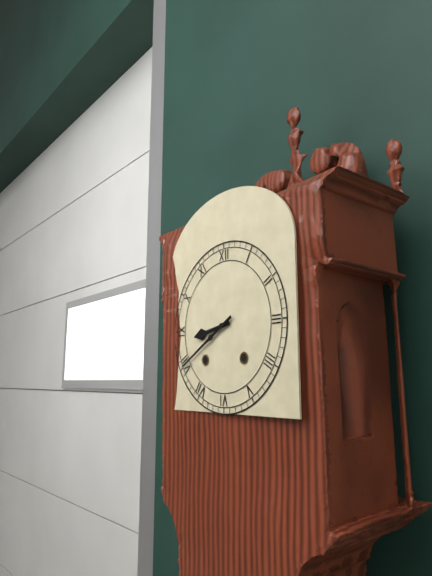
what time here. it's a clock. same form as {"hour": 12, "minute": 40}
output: {"hour": 8, "minute": 40}
